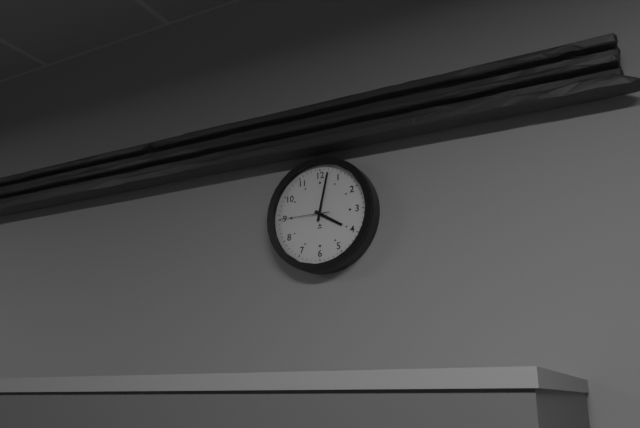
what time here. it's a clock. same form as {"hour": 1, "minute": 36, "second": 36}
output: {"hour": 4, "minute": 2, "second": 45}
